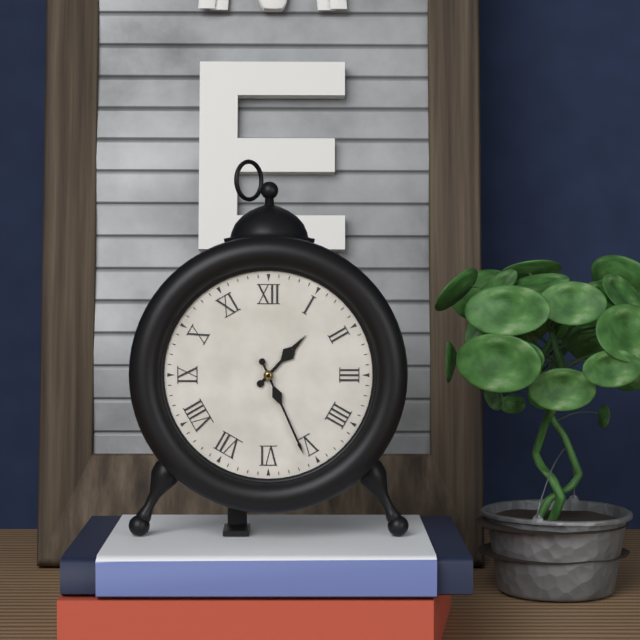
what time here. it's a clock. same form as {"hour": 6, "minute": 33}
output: {"hour": 1, "minute": 26}
